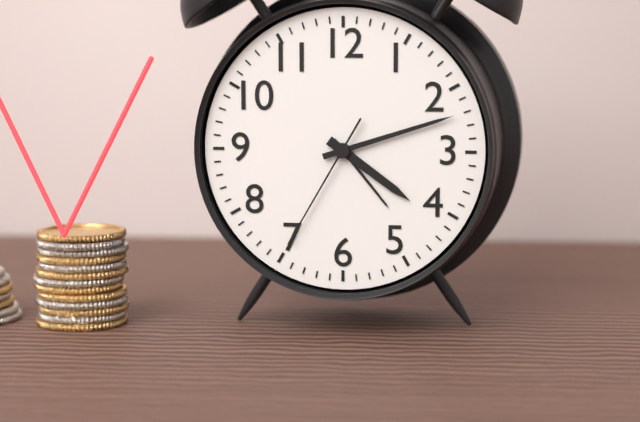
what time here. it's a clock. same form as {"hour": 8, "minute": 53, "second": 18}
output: {"hour": 4, "minute": 12, "second": 35}
